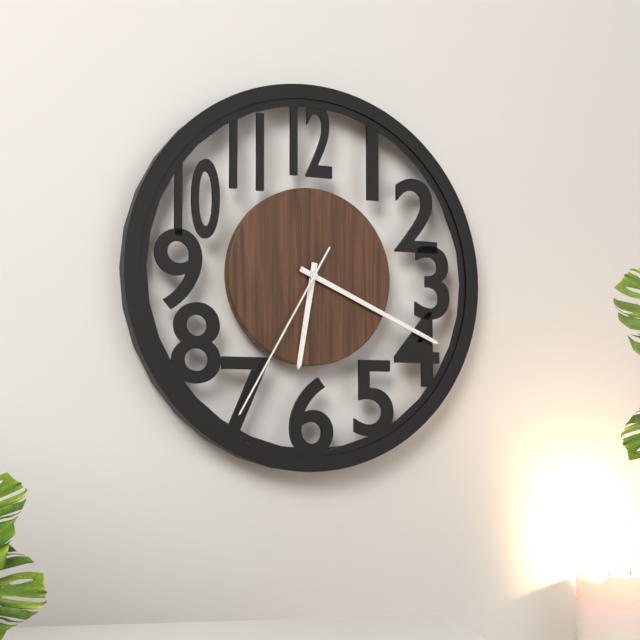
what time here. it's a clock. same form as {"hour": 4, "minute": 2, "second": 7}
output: {"hour": 6, "minute": 19, "second": 35}
